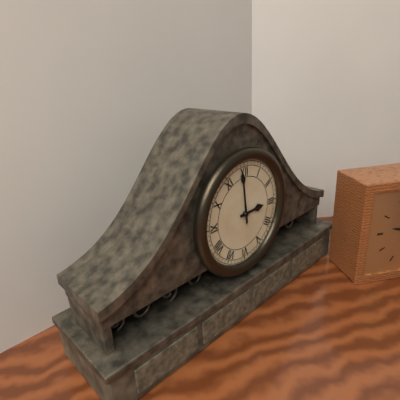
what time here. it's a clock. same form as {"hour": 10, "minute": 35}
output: {"hour": 2, "minute": 59}
